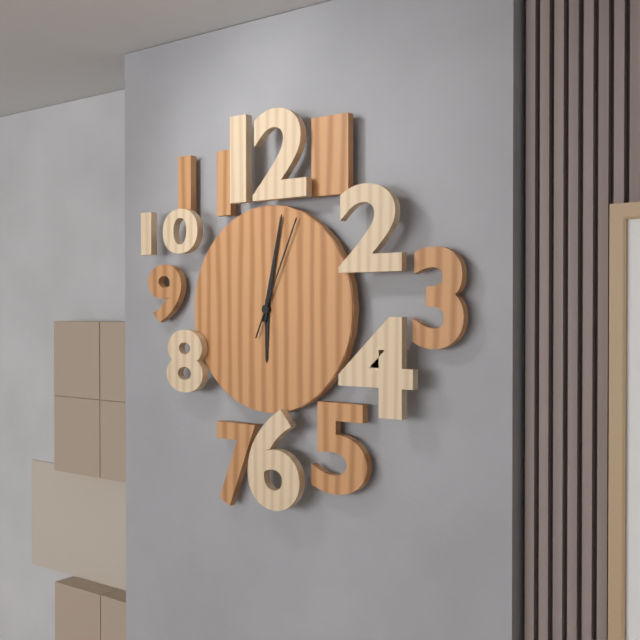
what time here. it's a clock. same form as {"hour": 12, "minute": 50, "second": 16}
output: {"hour": 6, "minute": 2, "second": 4}
